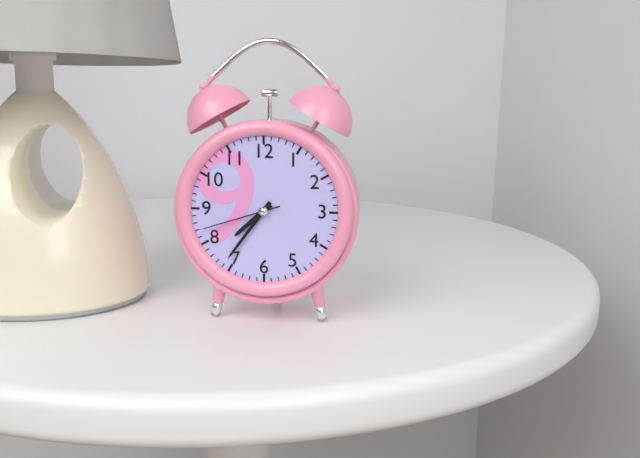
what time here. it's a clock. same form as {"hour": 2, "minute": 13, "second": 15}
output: {"hour": 7, "minute": 36, "second": 42}
